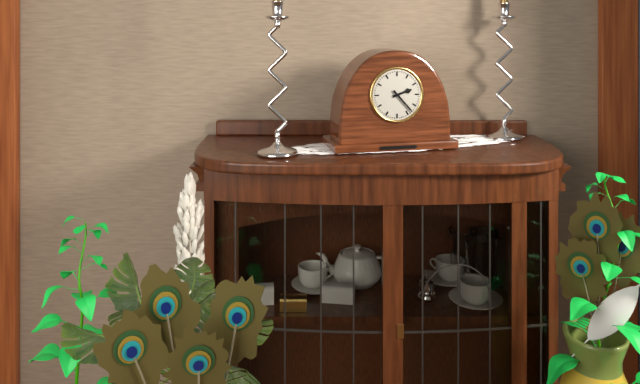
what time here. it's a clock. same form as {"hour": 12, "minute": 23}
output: {"hour": 2, "minute": 23}
